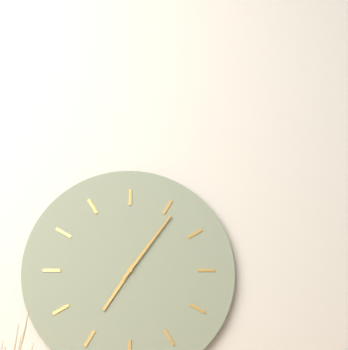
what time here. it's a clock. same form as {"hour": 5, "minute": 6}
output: {"hour": 7, "minute": 6}
